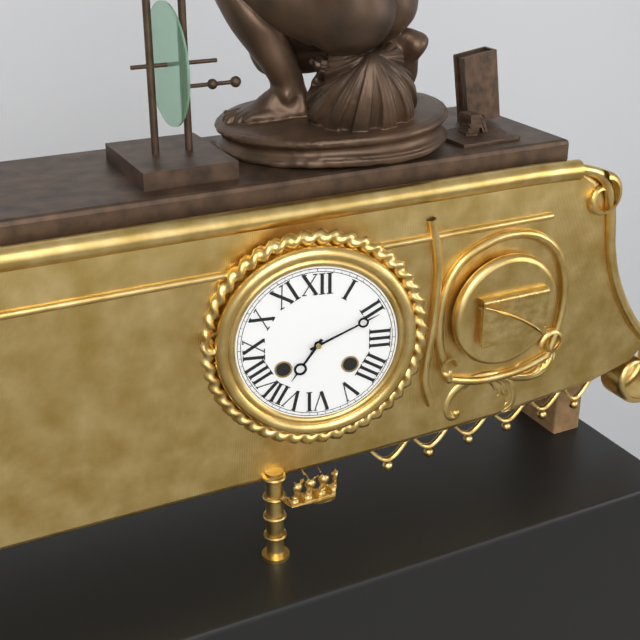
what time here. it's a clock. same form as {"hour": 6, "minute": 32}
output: {"hour": 7, "minute": 11}
